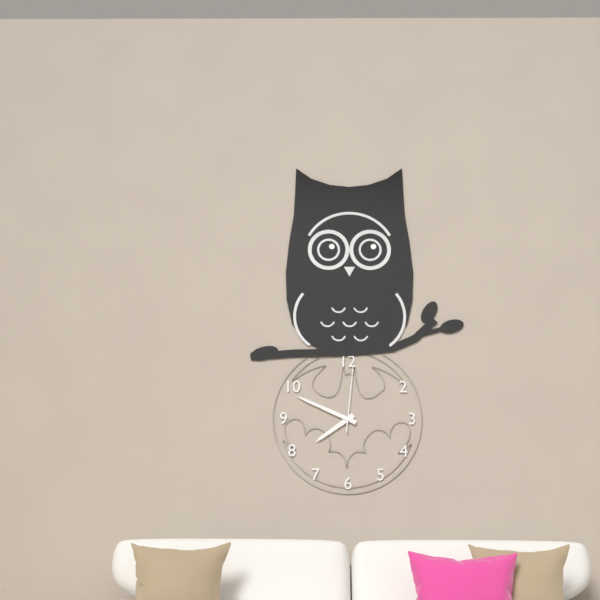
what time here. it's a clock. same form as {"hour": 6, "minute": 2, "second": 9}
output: {"hour": 7, "minute": 49, "second": 1}
